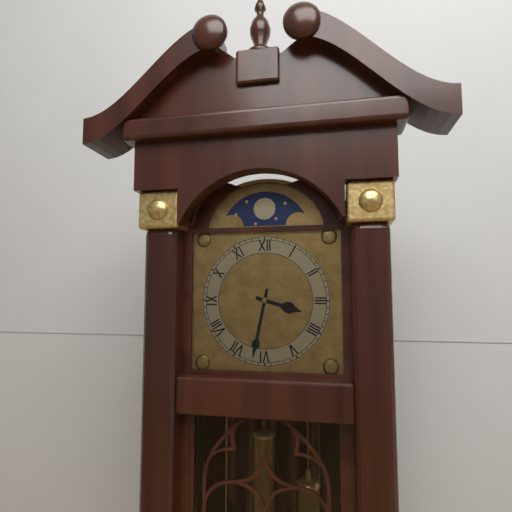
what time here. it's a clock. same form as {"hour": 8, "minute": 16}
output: {"hour": 3, "minute": 32}
